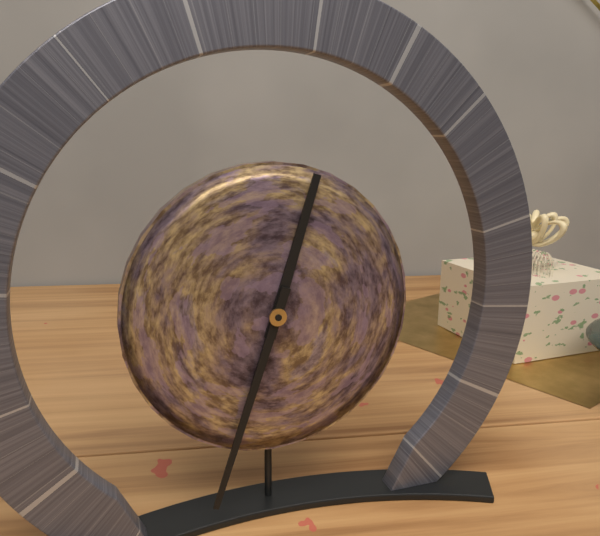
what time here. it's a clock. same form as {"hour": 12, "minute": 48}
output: {"hour": 12, "minute": 33}
